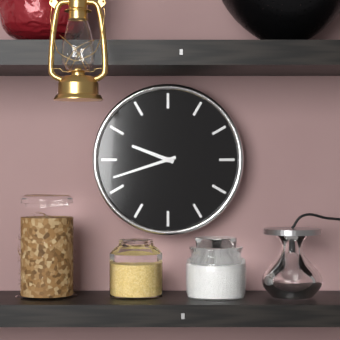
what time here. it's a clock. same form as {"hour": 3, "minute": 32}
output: {"hour": 9, "minute": 42}
